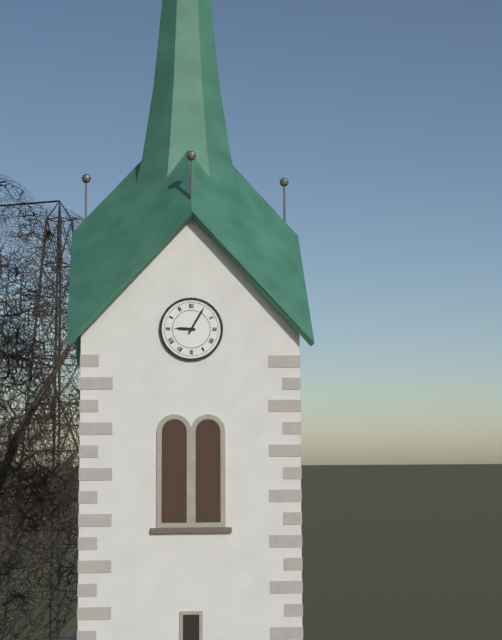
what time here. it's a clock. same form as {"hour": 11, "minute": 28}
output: {"hour": 9, "minute": 5}
